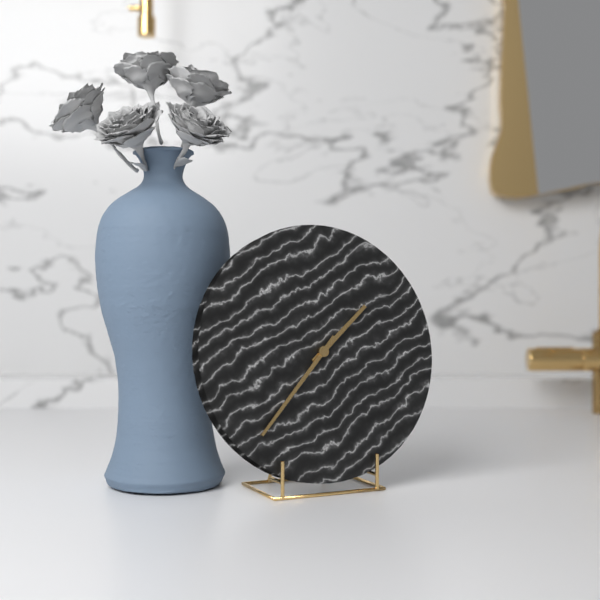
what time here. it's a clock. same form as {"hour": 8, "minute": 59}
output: {"hour": 1, "minute": 37}
